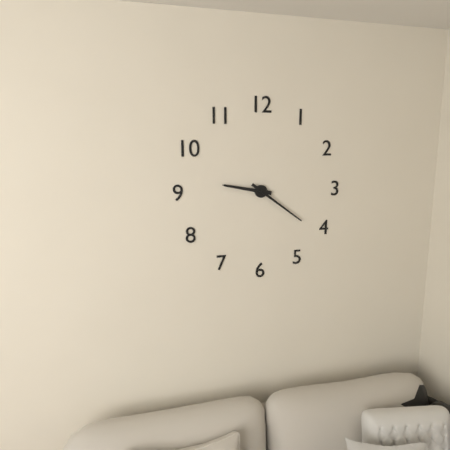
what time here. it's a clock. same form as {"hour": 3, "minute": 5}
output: {"hour": 9, "minute": 21}
